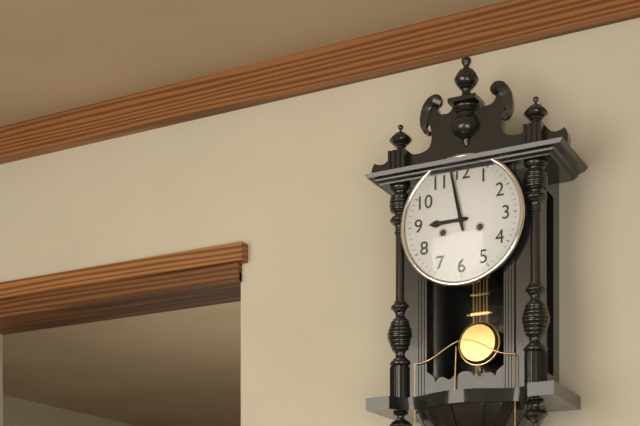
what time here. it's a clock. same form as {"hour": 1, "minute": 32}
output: {"hour": 8, "minute": 58}
